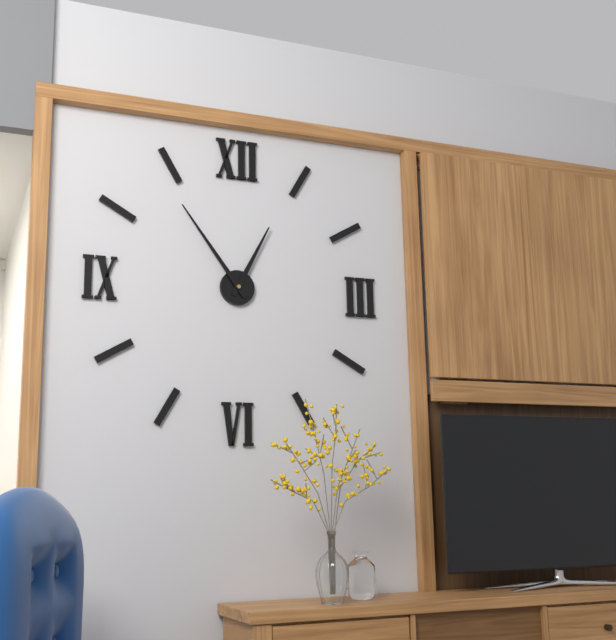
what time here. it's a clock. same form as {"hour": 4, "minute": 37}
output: {"hour": 12, "minute": 54}
